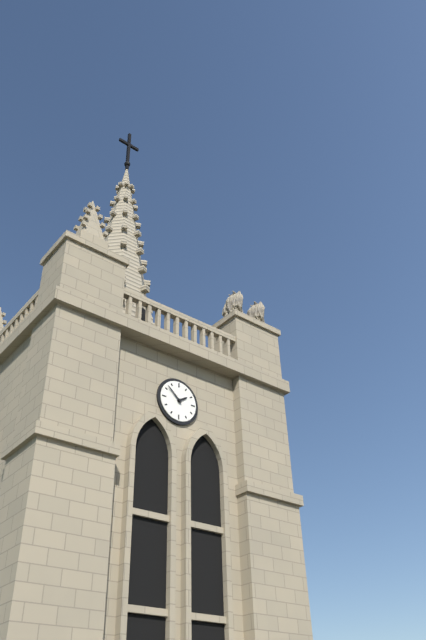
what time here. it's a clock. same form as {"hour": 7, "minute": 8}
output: {"hour": 1, "minute": 52}
